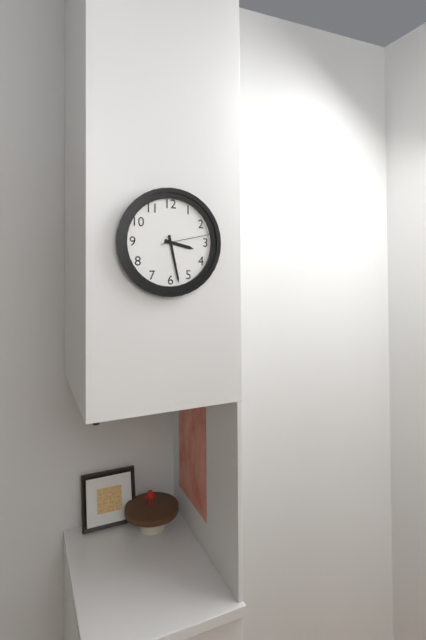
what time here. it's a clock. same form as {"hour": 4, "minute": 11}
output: {"hour": 3, "minute": 28}
